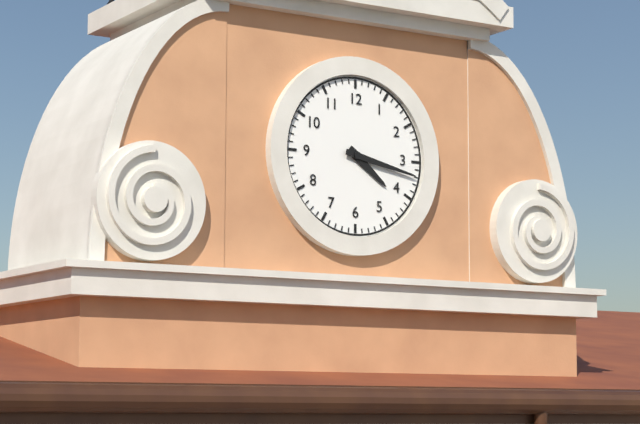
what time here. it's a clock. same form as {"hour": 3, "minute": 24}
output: {"hour": 4, "minute": 17}
